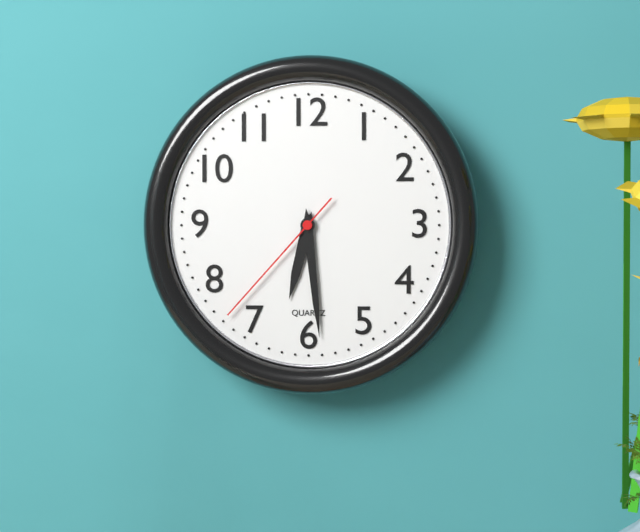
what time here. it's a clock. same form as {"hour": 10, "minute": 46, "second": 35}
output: {"hour": 6, "minute": 29, "second": 37}
